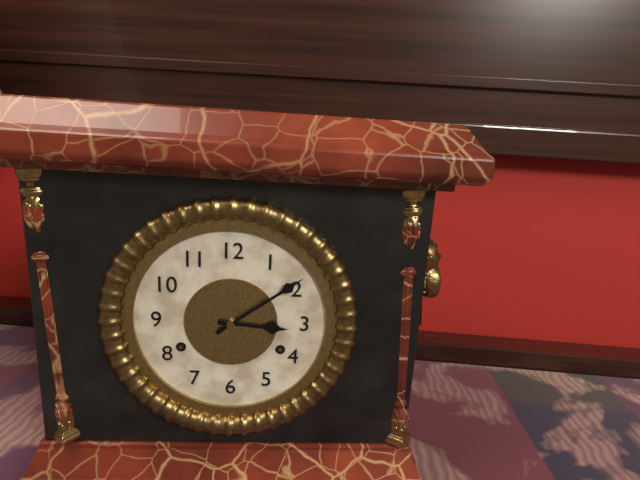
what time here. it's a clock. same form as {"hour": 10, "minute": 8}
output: {"hour": 3, "minute": 9}
